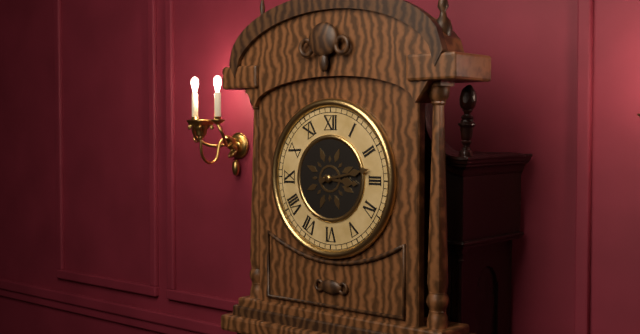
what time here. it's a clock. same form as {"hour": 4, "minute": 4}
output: {"hour": 3, "minute": 13}
